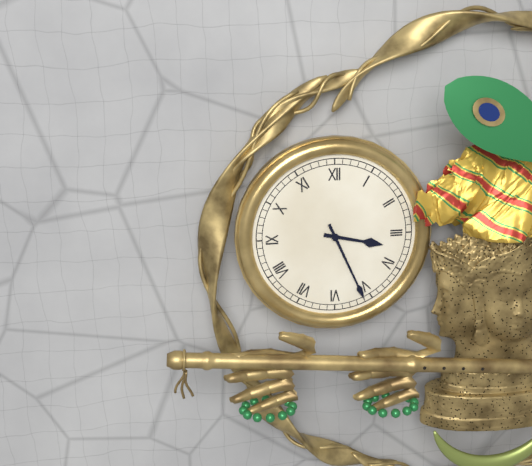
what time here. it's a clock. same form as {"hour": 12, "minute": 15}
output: {"hour": 3, "minute": 26}
